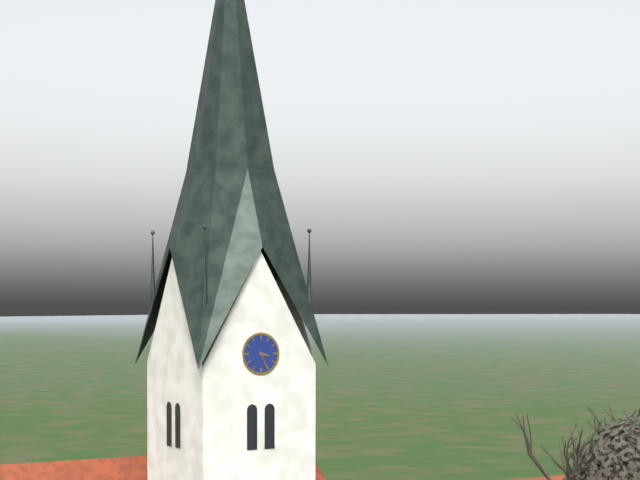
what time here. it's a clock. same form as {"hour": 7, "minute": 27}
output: {"hour": 3, "minute": 26}
